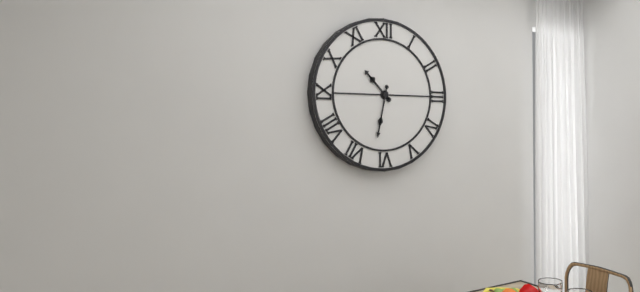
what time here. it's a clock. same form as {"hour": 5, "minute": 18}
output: {"hour": 10, "minute": 32}
